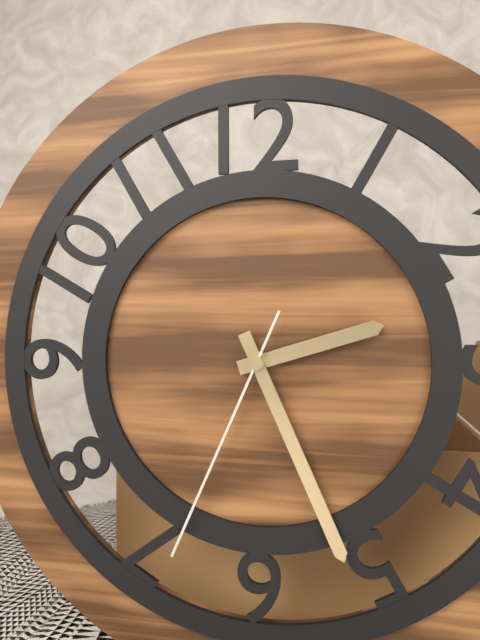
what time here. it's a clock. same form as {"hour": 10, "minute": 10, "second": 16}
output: {"hour": 2, "minute": 26, "second": 34}
